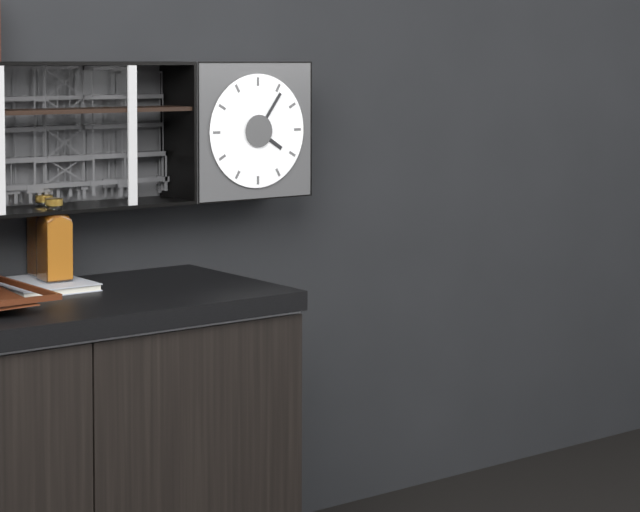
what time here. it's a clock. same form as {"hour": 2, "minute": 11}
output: {"hour": 4, "minute": 6}
